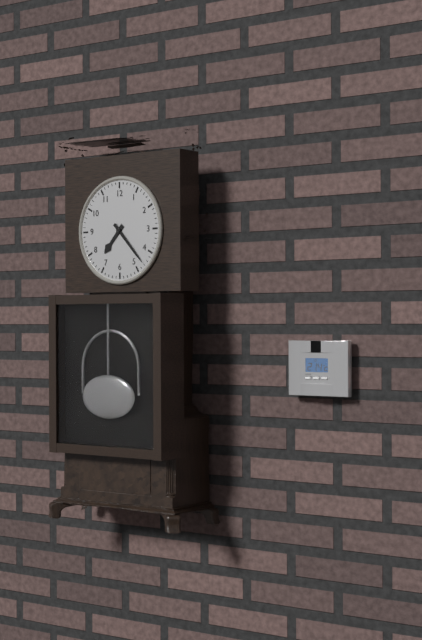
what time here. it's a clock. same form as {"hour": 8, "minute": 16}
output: {"hour": 7, "minute": 23}
